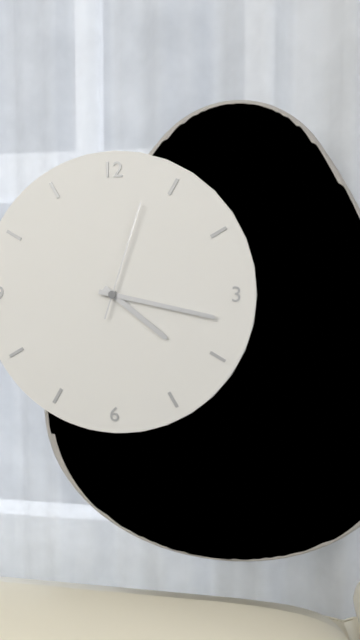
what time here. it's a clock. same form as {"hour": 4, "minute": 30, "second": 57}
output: {"hour": 4, "minute": 17, "second": 3}
